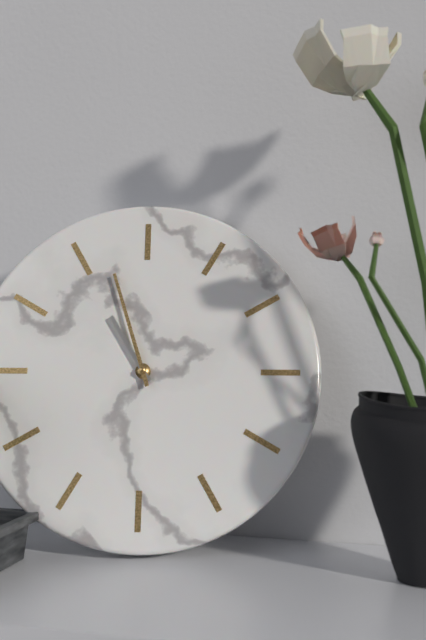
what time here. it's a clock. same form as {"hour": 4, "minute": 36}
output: {"hour": 10, "minute": 57}
